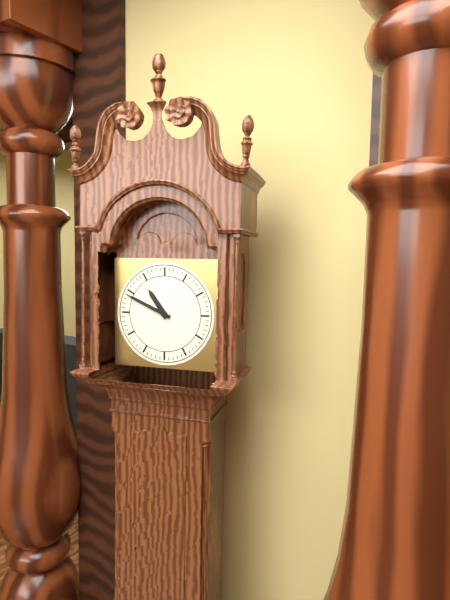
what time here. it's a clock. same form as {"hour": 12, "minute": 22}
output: {"hour": 10, "minute": 49}
